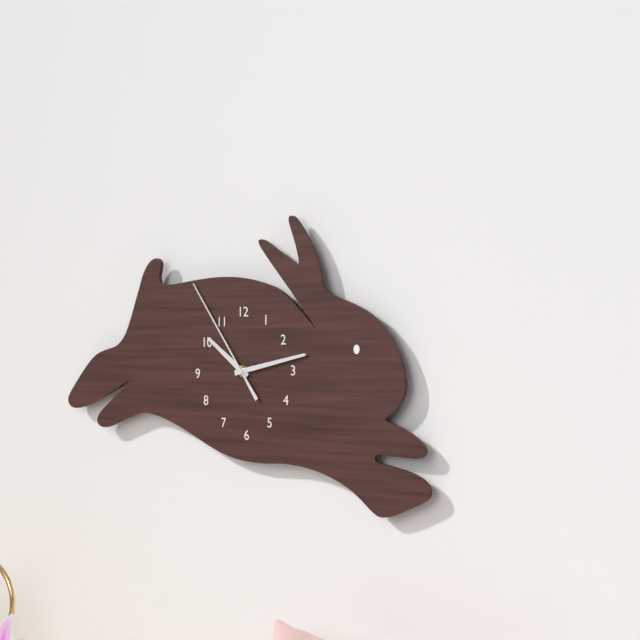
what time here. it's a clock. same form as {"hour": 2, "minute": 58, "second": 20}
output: {"hour": 10, "minute": 13, "second": 54}
